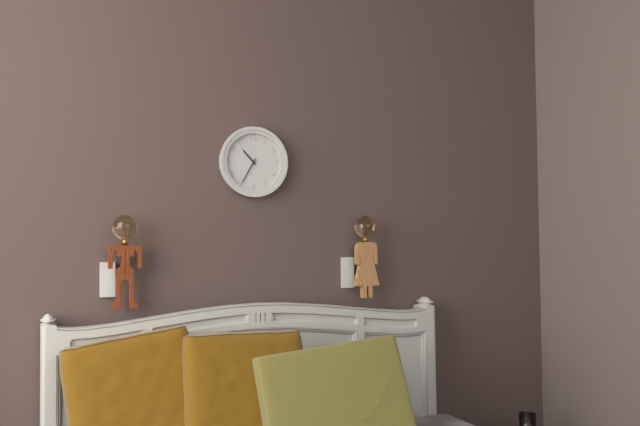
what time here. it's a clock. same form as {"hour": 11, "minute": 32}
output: {"hour": 10, "minute": 35}
